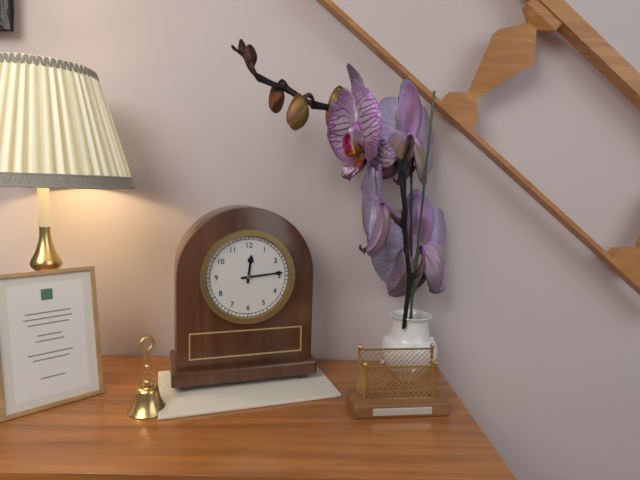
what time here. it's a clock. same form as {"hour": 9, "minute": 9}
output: {"hour": 12, "minute": 14}
